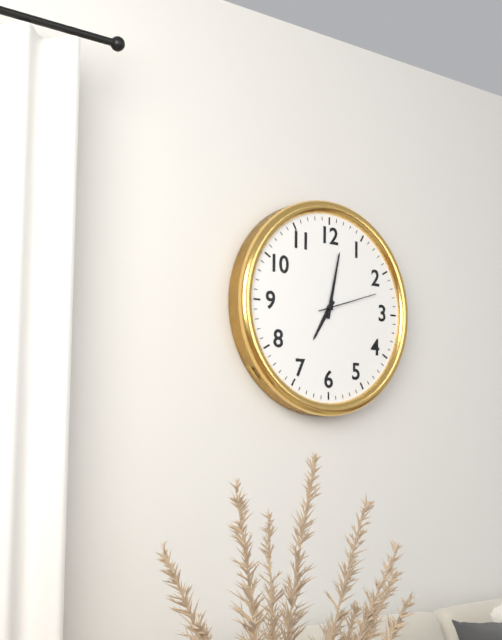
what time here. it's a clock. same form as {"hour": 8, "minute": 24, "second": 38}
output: {"hour": 7, "minute": 2, "second": 12}
